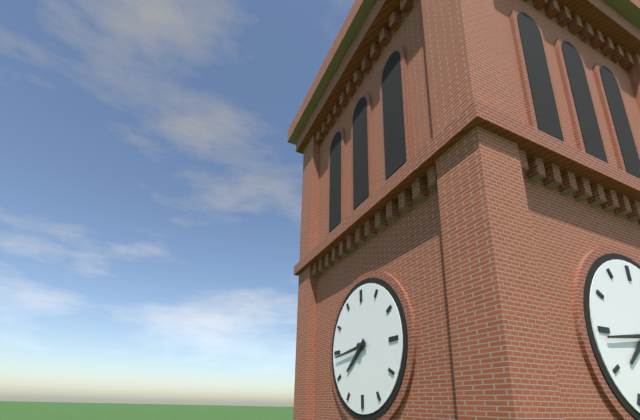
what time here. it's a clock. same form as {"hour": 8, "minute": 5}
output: {"hour": 7, "minute": 44}
